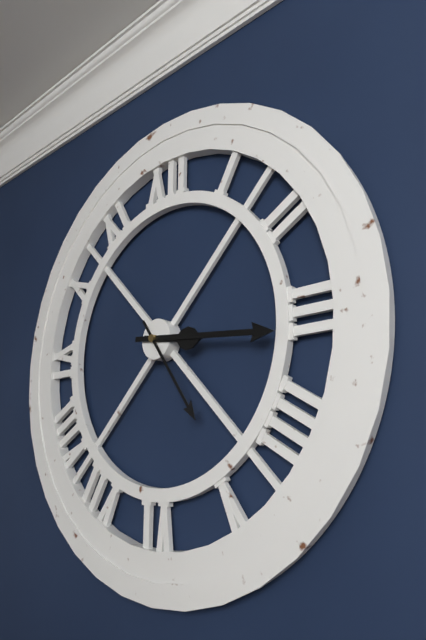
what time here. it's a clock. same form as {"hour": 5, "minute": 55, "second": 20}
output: {"hour": 3, "minute": 16, "second": 24}
